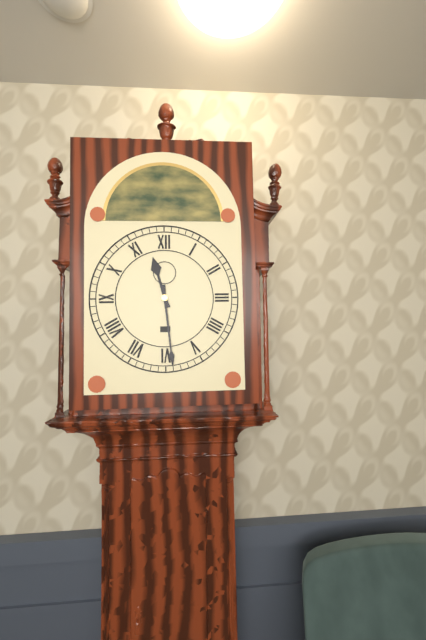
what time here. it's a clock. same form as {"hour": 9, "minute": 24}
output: {"hour": 11, "minute": 29}
